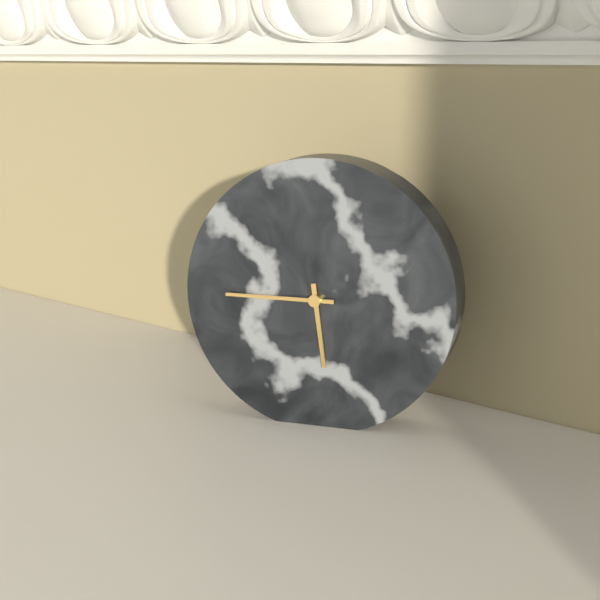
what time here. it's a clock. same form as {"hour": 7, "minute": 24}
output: {"hour": 5, "minute": 45}
